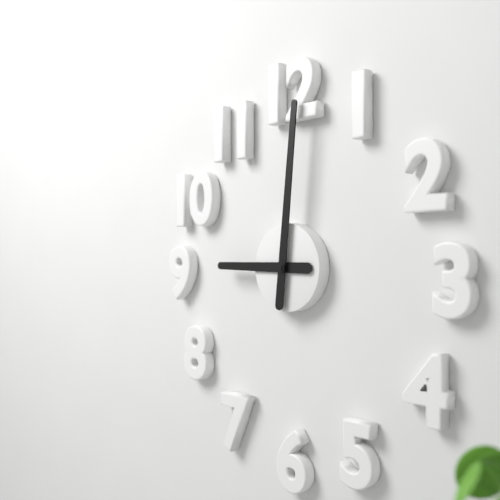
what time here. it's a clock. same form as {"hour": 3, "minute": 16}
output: {"hour": 9, "minute": 1}
